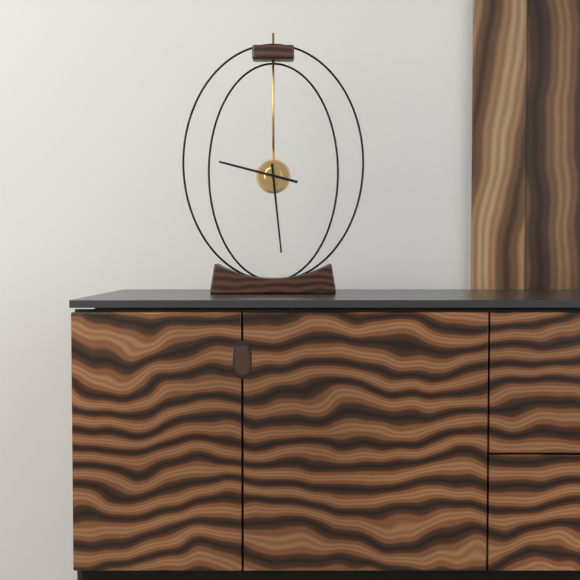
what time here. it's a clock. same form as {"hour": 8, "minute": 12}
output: {"hour": 9, "minute": 29}
